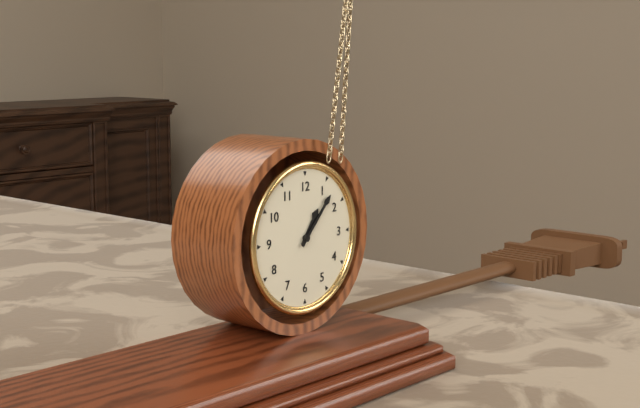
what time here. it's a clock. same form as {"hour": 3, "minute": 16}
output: {"hour": 1, "minute": 7}
